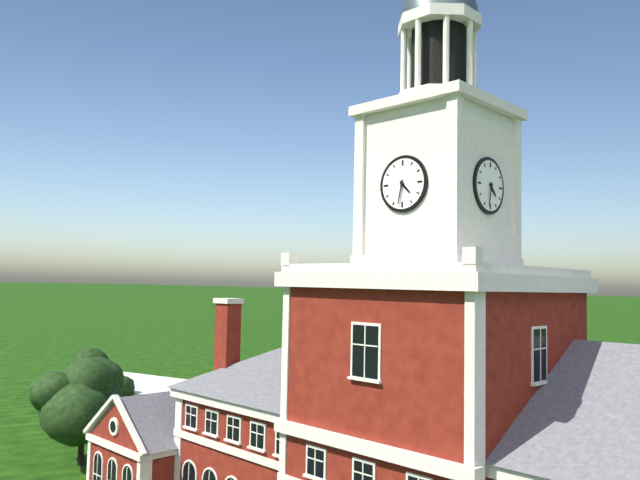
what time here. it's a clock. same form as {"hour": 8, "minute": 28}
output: {"hour": 4, "minute": 32}
